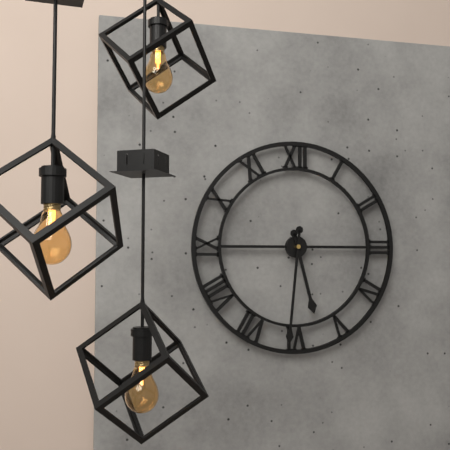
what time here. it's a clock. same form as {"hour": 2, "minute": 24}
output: {"hour": 5, "minute": 31}
